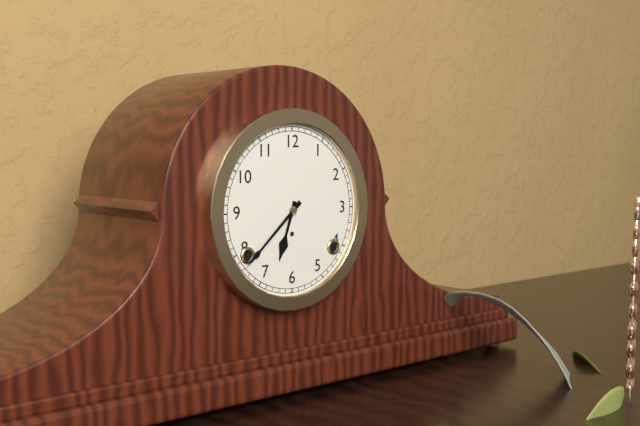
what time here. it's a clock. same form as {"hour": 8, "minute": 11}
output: {"hour": 6, "minute": 38}
